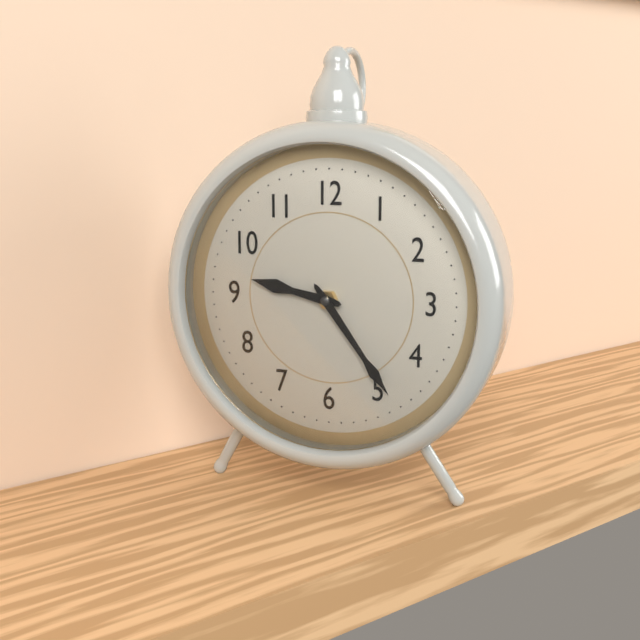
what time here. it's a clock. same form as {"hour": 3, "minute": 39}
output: {"hour": 9, "minute": 24}
